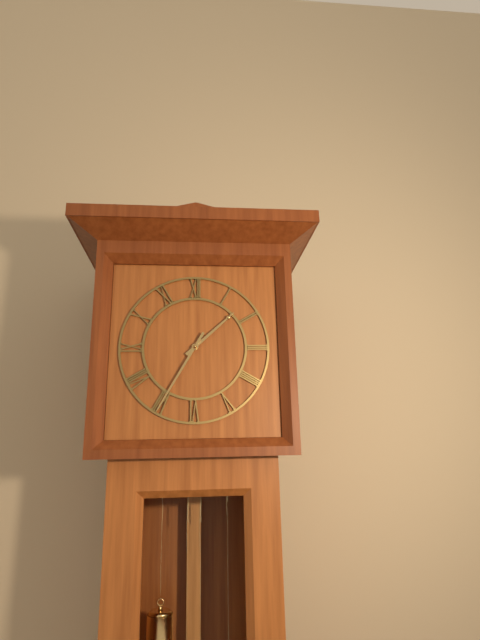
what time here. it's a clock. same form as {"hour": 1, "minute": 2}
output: {"hour": 1, "minute": 35}
